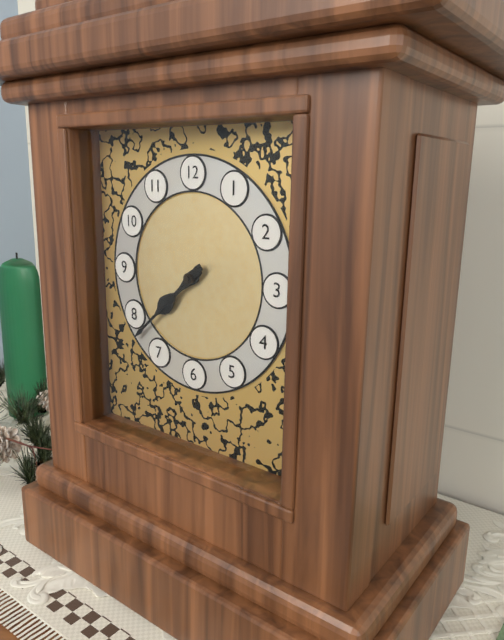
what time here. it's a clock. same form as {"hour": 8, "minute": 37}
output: {"hour": 7, "minute": 38}
